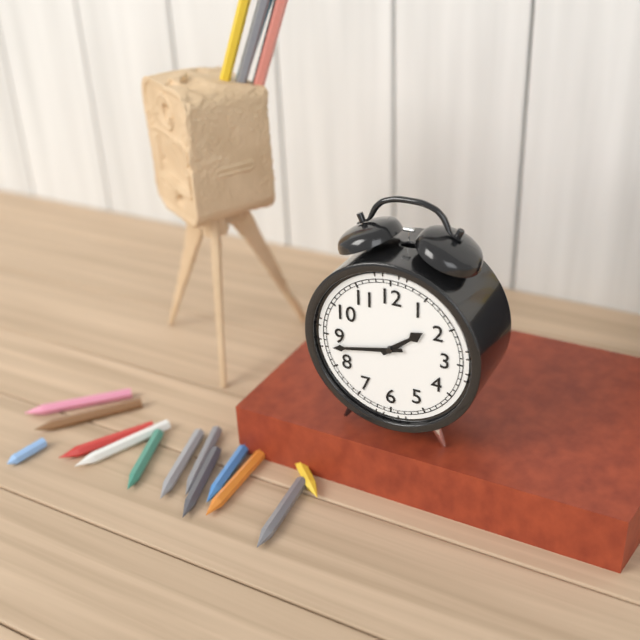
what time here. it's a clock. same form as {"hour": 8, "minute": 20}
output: {"hour": 1, "minute": 43}
